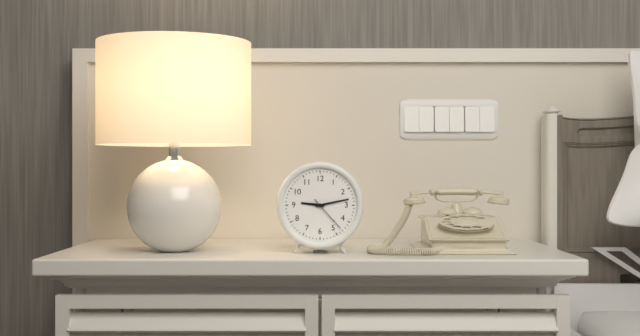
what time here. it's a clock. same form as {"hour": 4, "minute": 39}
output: {"hour": 9, "minute": 13}
